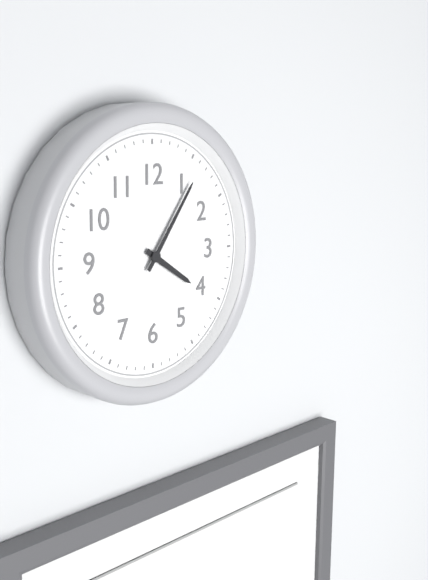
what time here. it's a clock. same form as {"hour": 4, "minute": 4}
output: {"hour": 4, "minute": 6}
